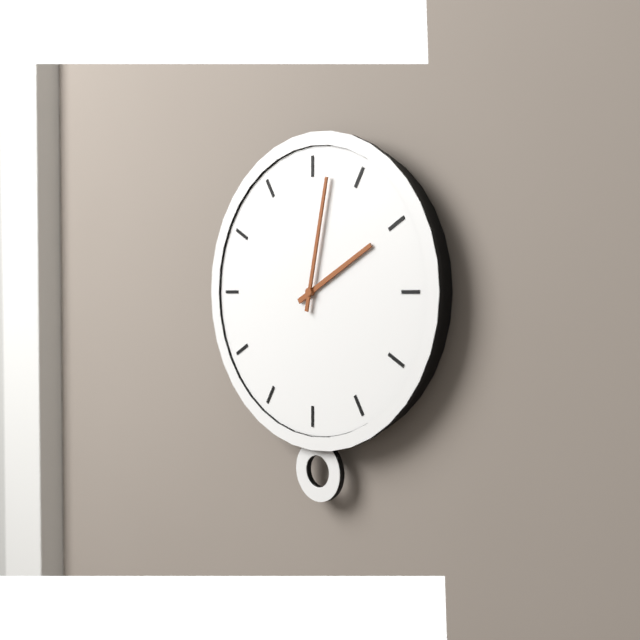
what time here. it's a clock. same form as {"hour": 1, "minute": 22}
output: {"hour": 2, "minute": 2}
